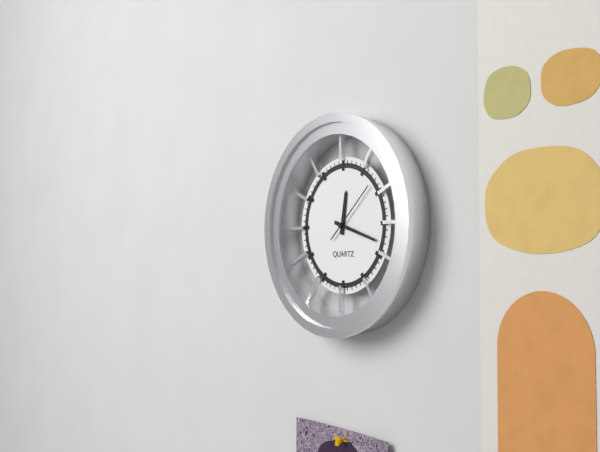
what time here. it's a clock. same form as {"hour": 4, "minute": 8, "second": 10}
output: {"hour": 12, "minute": 18, "second": 8}
